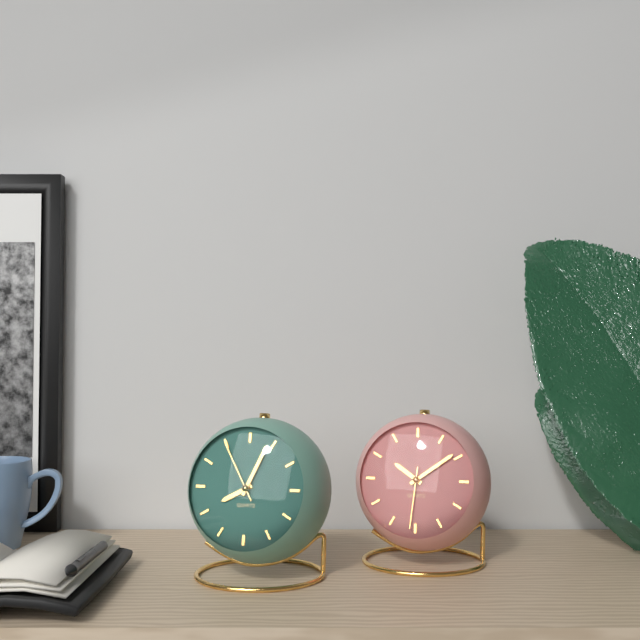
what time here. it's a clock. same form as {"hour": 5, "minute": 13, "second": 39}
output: {"hour": 8, "minute": 4, "second": 55}
